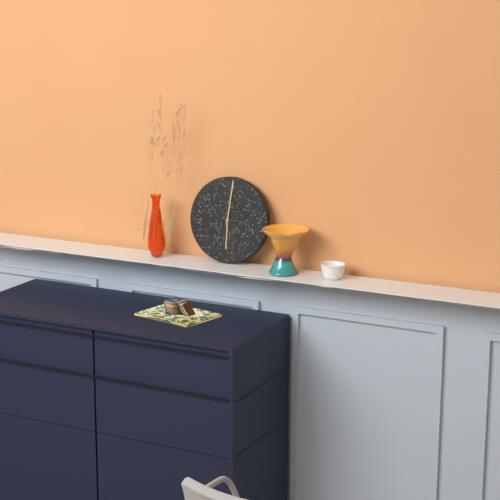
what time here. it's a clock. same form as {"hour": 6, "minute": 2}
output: {"hour": 6, "minute": 1}
